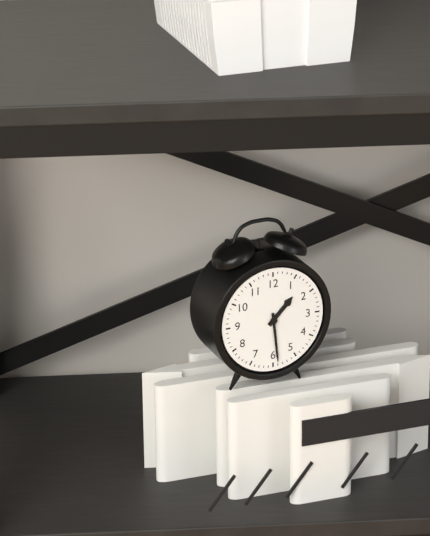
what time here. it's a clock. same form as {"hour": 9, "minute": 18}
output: {"hour": 1, "minute": 29}
